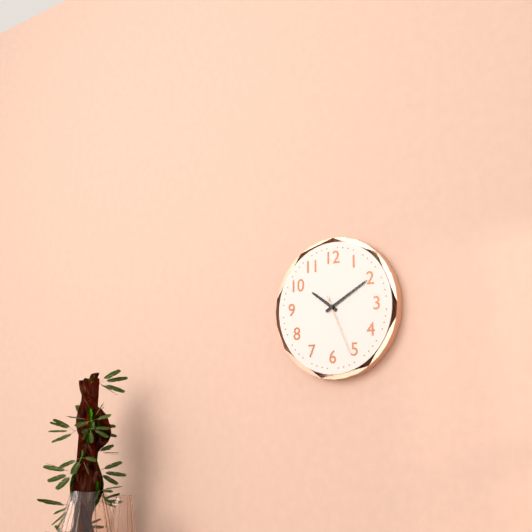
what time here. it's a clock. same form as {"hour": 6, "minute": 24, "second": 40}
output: {"hour": 10, "minute": 10, "second": 26}
